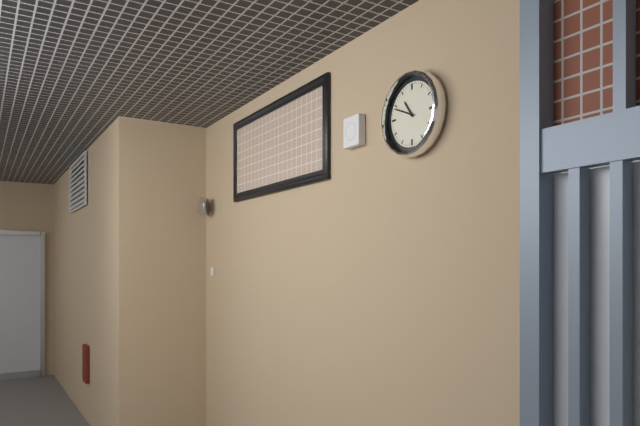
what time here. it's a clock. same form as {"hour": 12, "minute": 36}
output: {"hour": 10, "minute": 49}
